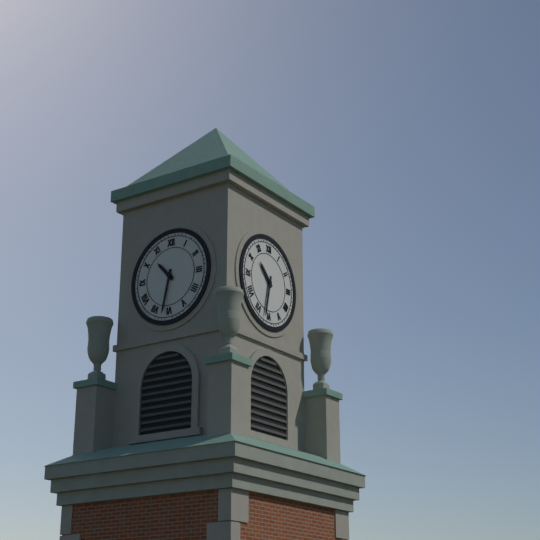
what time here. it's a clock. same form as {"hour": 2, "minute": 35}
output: {"hour": 10, "minute": 32}
